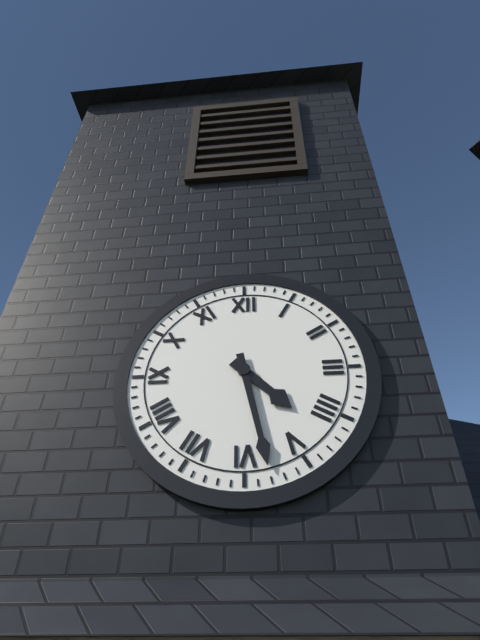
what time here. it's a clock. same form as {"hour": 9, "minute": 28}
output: {"hour": 4, "minute": 28}
